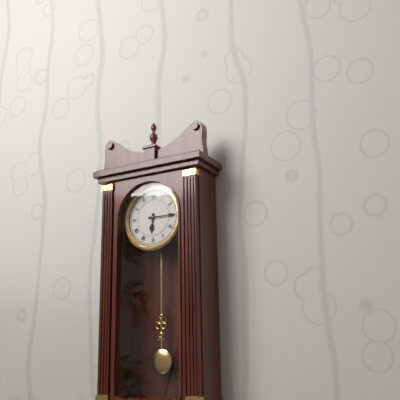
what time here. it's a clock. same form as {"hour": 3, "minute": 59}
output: {"hour": 6, "minute": 15}
